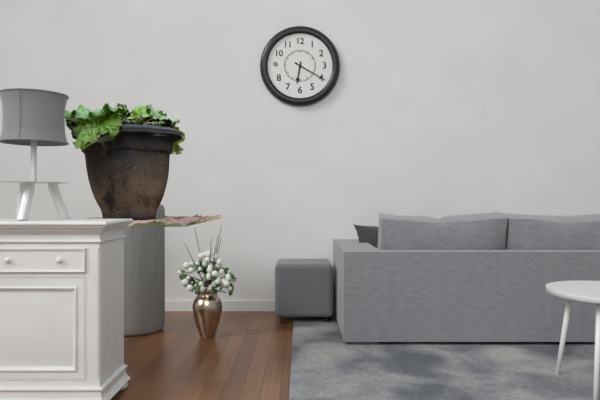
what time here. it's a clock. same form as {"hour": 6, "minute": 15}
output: {"hour": 6, "minute": 20}
